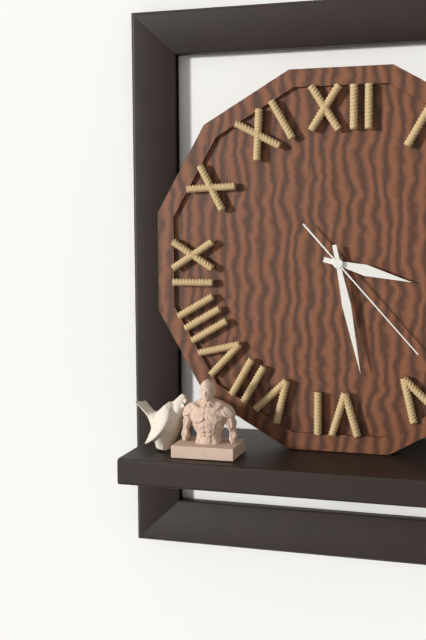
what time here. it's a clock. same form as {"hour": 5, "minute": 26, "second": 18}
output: {"hour": 3, "minute": 28, "second": 23}
